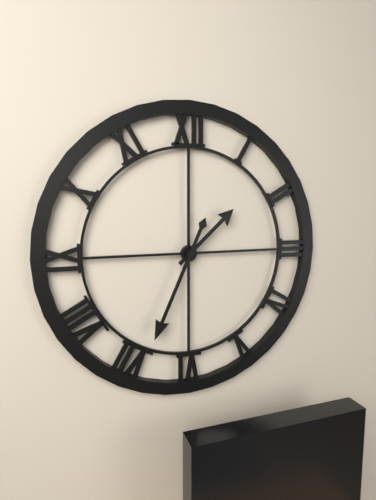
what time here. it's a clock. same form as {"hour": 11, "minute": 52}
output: {"hour": 1, "minute": 34}
